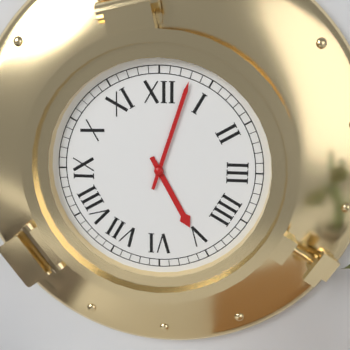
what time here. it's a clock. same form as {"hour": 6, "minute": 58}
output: {"hour": 5, "minute": 3}
